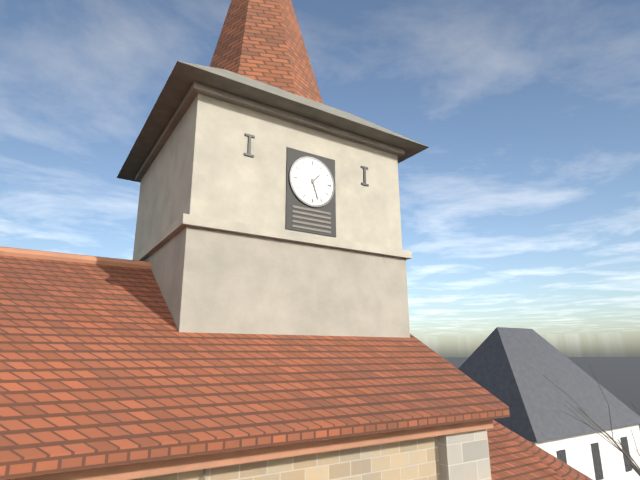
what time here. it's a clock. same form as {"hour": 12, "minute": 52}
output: {"hour": 1, "minute": 27}
